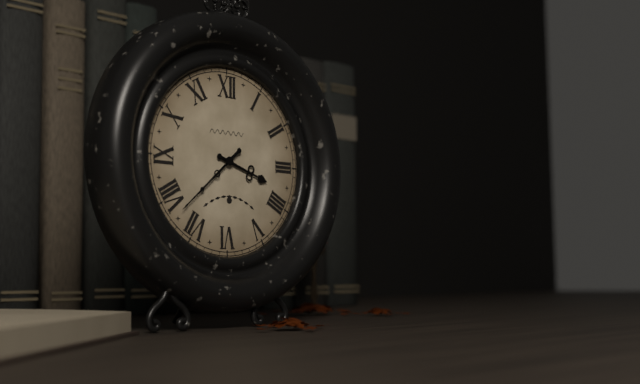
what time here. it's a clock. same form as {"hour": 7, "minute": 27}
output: {"hour": 3, "minute": 38}
